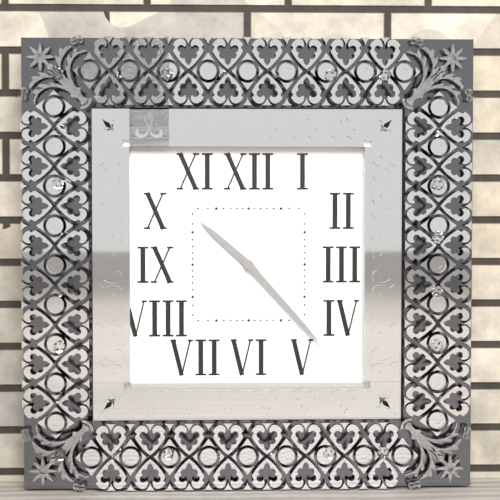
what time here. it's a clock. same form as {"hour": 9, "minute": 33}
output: {"hour": 10, "minute": 23}
